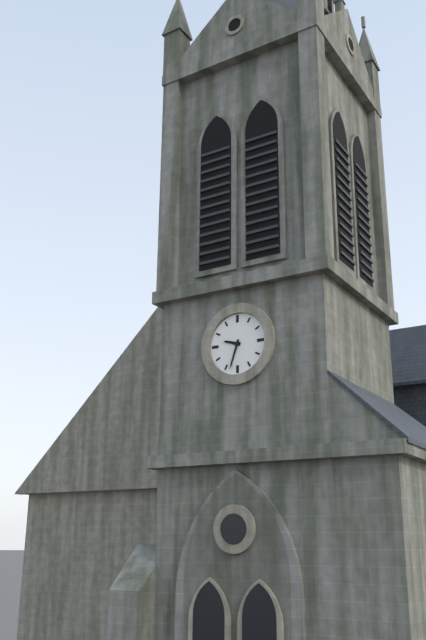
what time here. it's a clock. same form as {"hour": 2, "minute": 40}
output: {"hour": 9, "minute": 33}
